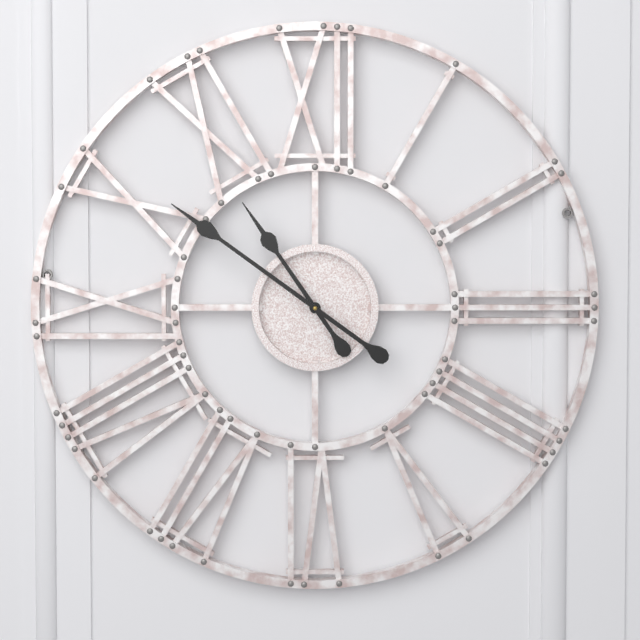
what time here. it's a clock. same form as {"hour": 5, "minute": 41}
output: {"hour": 10, "minute": 51}
